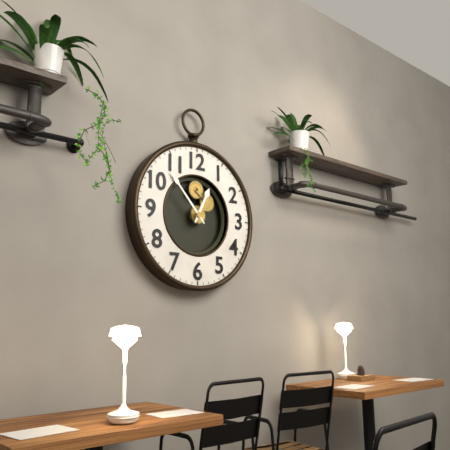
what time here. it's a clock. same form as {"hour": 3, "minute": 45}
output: {"hour": 12, "minute": 53}
